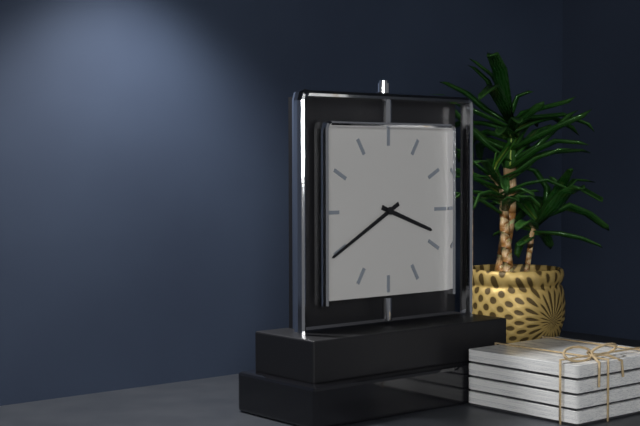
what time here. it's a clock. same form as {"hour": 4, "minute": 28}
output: {"hour": 3, "minute": 40}
